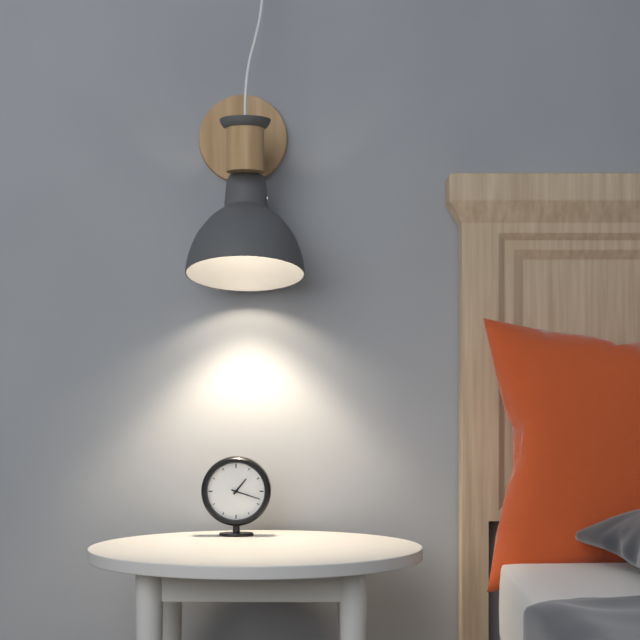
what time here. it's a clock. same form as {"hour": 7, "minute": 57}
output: {"hour": 1, "minute": 18}
